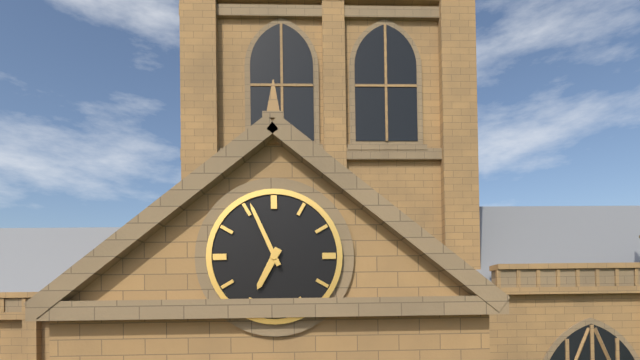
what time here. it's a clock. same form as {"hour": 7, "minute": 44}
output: {"hour": 6, "minute": 56}
